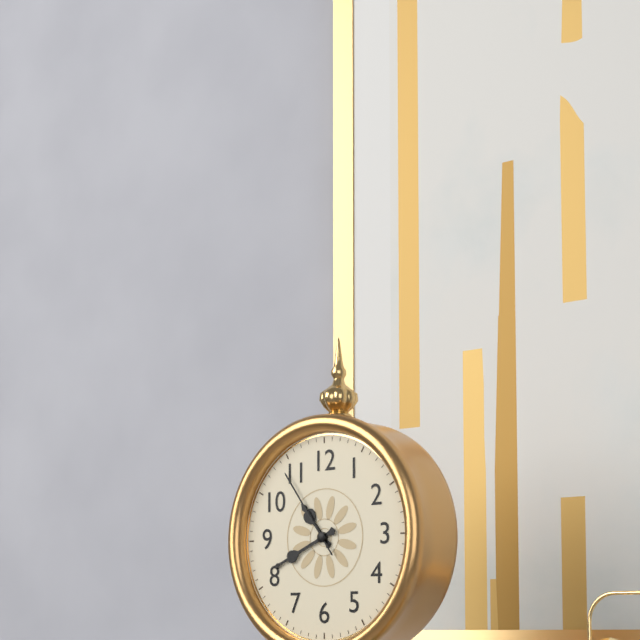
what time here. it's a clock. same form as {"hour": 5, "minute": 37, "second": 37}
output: {"hour": 10, "minute": 41, "second": 54}
